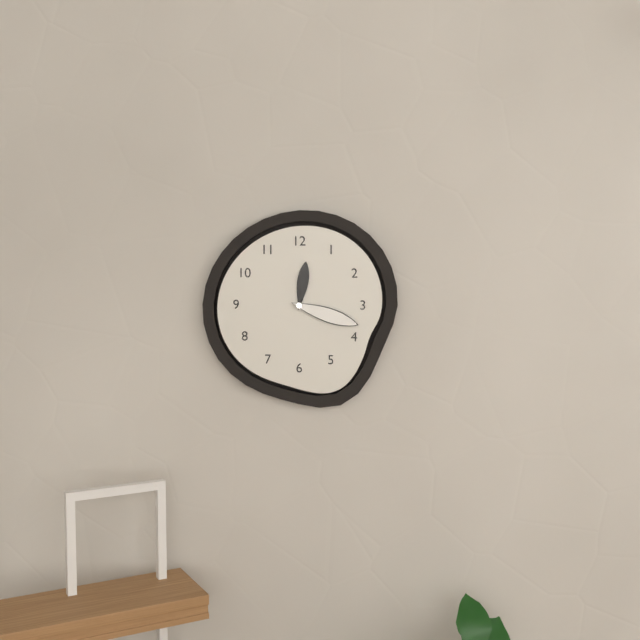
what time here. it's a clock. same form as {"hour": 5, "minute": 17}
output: {"hour": 12, "minute": 18}
